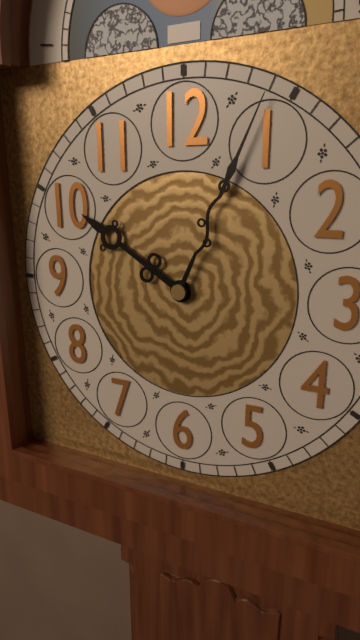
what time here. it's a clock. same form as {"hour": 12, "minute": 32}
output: {"hour": 10, "minute": 4}
